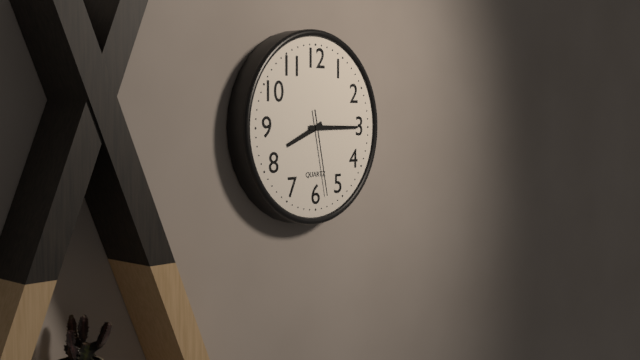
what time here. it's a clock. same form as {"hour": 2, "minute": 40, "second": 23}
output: {"hour": 8, "minute": 15, "second": 28}
